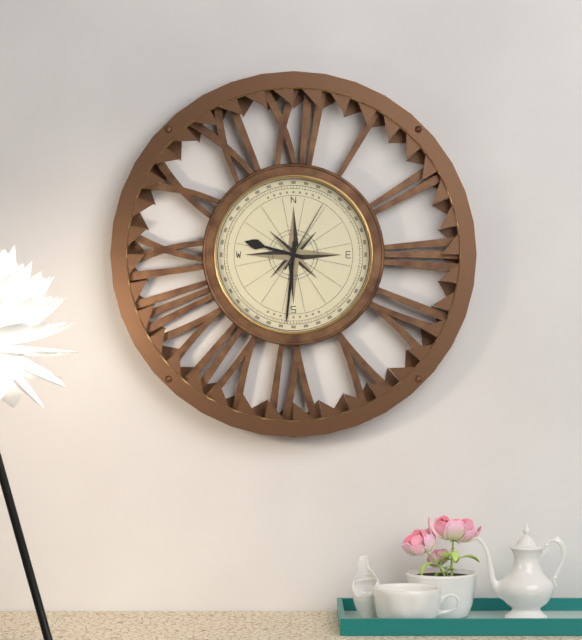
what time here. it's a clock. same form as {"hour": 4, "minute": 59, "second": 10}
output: {"hour": 9, "minute": 31, "second": 5}
